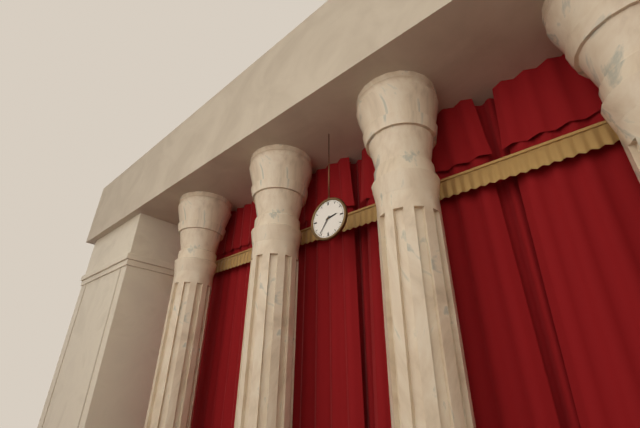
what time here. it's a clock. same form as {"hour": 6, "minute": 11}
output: {"hour": 2, "minute": 36}
